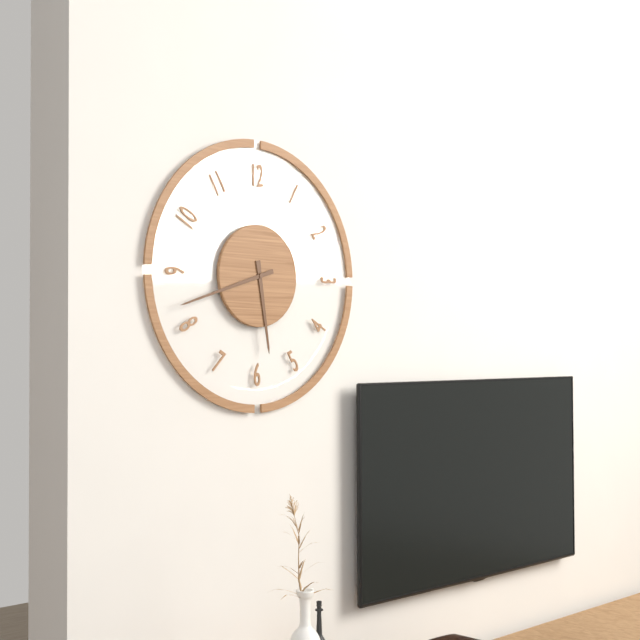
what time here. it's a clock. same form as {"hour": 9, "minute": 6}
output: {"hour": 5, "minute": 42}
